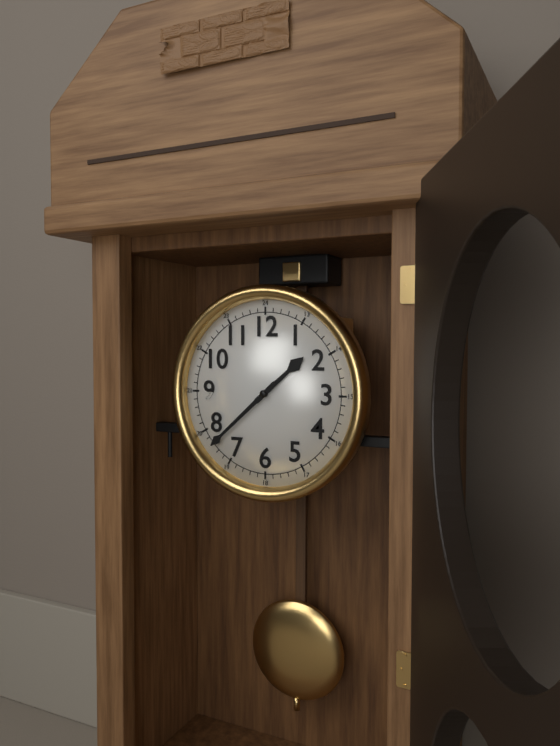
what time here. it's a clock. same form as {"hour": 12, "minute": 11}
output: {"hour": 1, "minute": 38}
